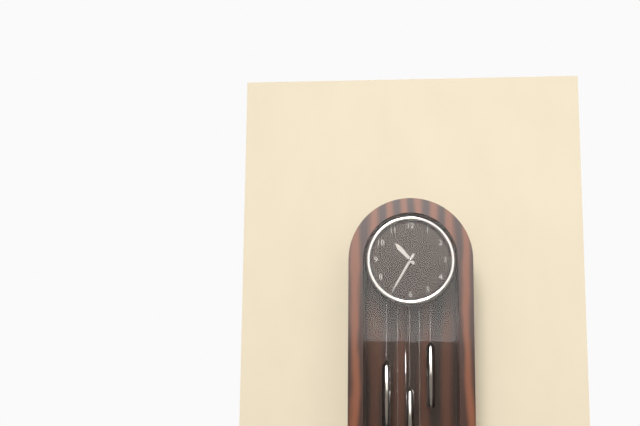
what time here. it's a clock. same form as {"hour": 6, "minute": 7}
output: {"hour": 10, "minute": 35}
